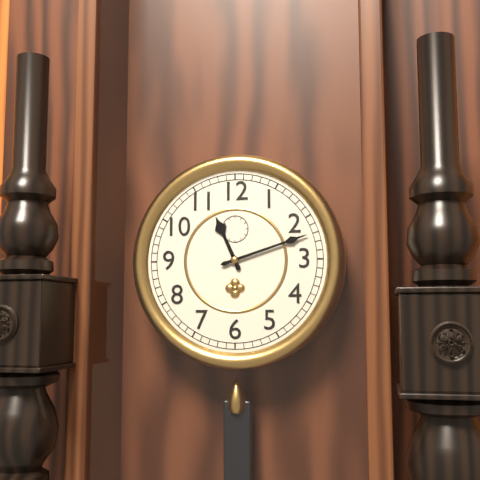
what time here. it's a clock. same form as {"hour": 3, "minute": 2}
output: {"hour": 11, "minute": 12}
